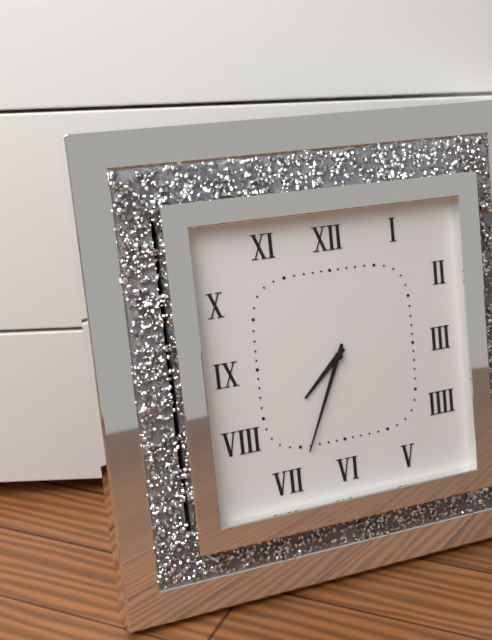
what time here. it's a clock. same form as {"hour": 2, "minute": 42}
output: {"hour": 7, "minute": 34}
